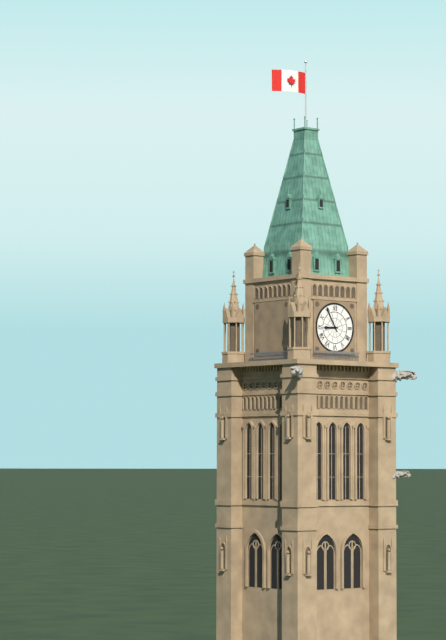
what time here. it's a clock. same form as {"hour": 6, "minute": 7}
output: {"hour": 8, "minute": 55}
